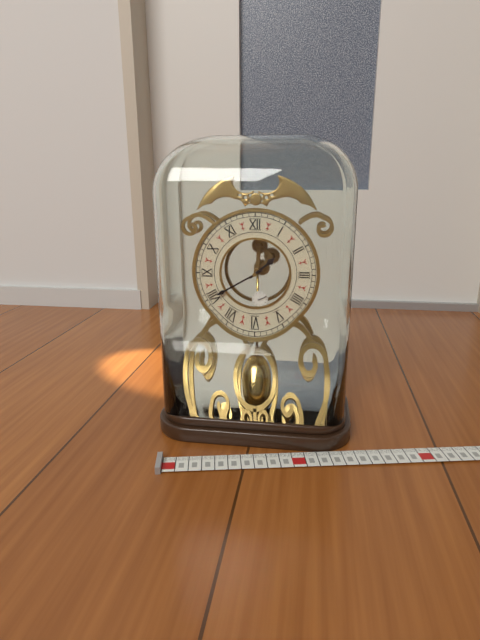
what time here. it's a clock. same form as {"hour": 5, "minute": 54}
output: {"hour": 1, "minute": 40}
